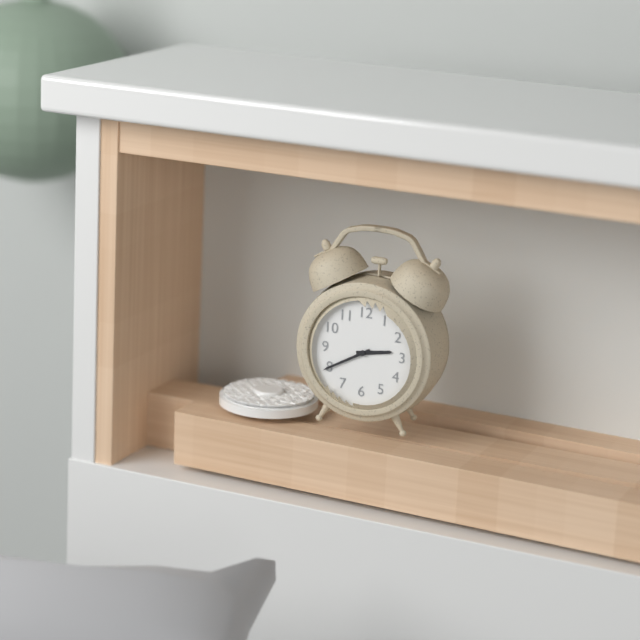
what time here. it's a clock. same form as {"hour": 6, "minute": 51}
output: {"hour": 2, "minute": 40}
